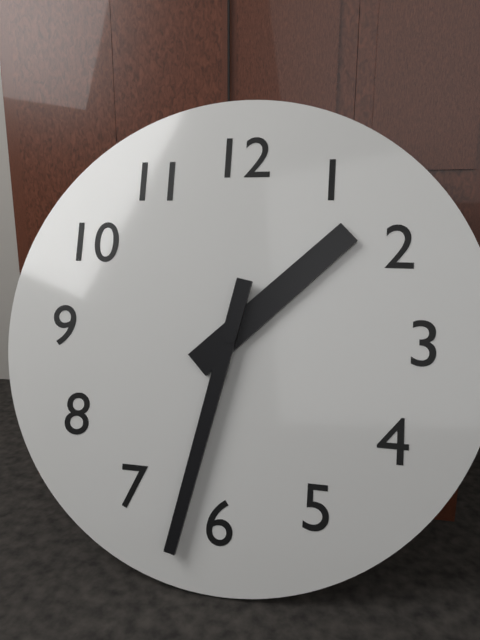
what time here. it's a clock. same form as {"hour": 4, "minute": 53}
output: {"hour": 1, "minute": 32}
